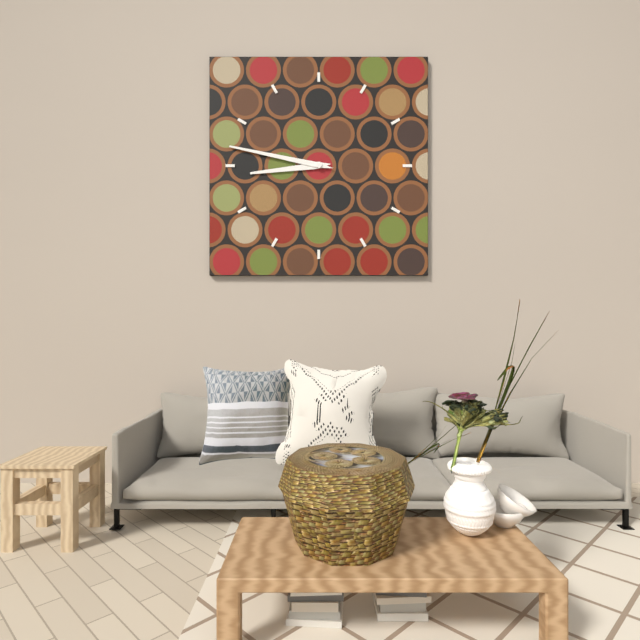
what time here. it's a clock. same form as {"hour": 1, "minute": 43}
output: {"hour": 8, "minute": 47}
